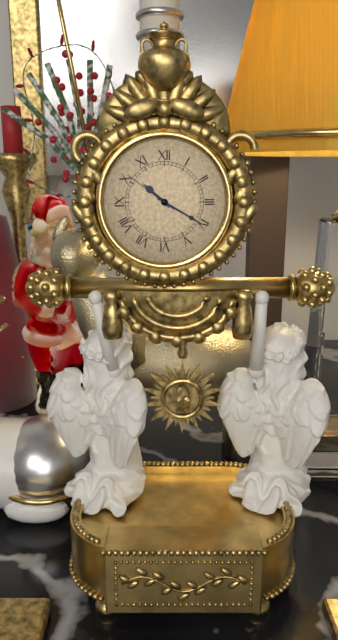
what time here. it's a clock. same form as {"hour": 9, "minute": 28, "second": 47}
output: {"hour": 10, "minute": 20, "second": 51}
